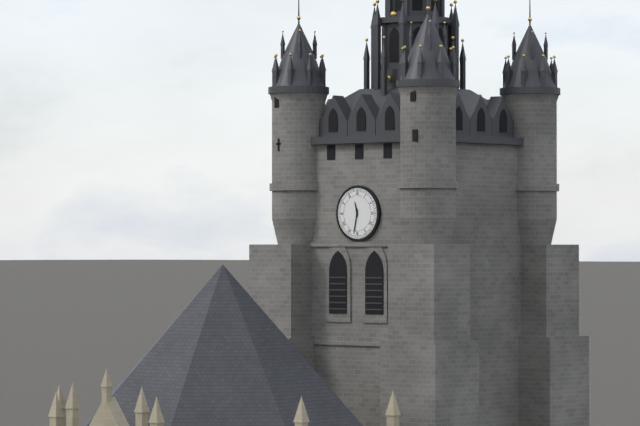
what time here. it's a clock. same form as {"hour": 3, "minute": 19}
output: {"hour": 11, "minute": 32}
